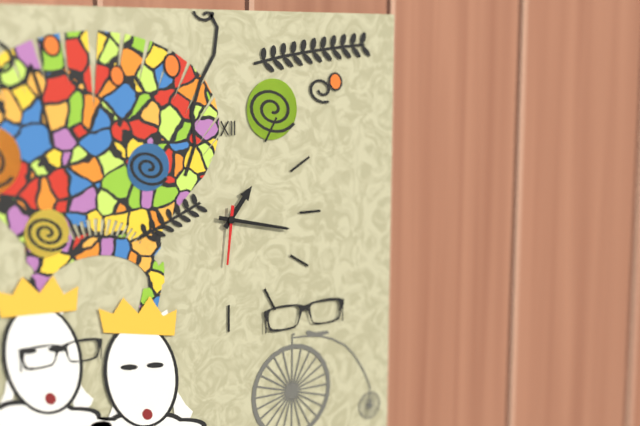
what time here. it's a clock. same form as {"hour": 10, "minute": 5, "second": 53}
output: {"hour": 1, "minute": 17, "second": 31}
